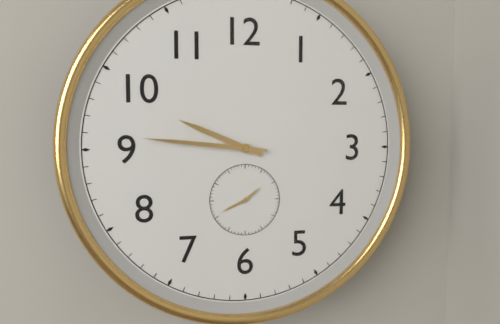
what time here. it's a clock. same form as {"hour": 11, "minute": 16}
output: {"hour": 9, "minute": 46}
